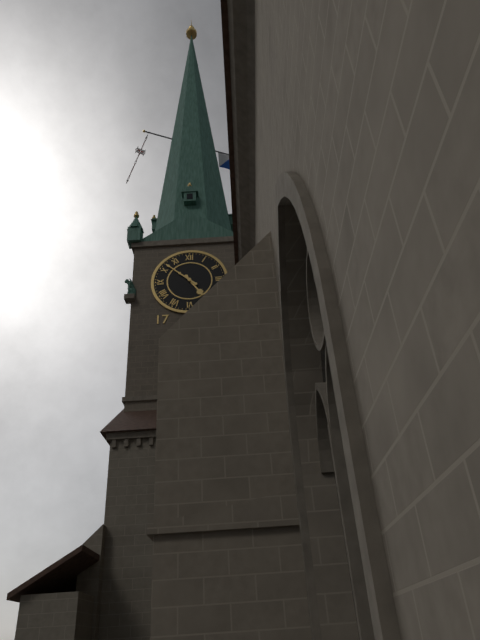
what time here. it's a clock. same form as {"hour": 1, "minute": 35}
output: {"hour": 4, "minute": 52}
